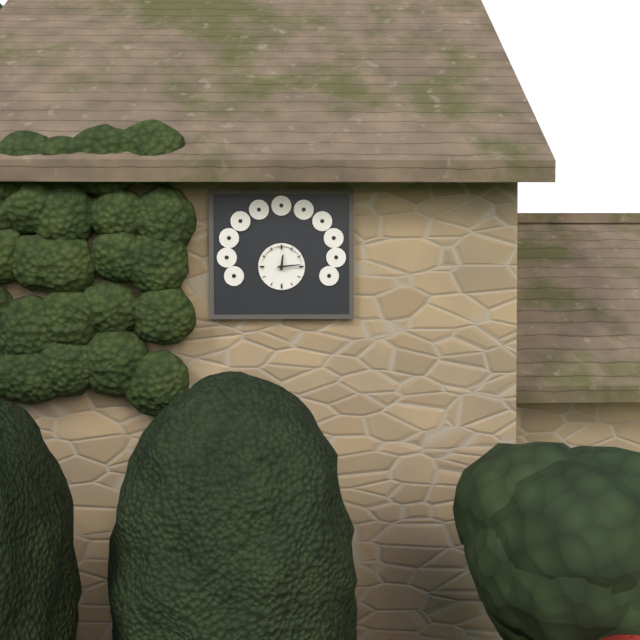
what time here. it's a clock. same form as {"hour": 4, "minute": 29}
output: {"hour": 12, "minute": 14}
